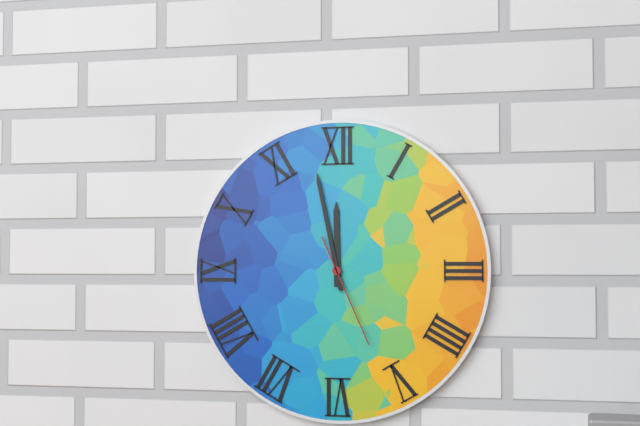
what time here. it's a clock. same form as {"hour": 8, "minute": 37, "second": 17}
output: {"hour": 11, "minute": 58, "second": 26}
